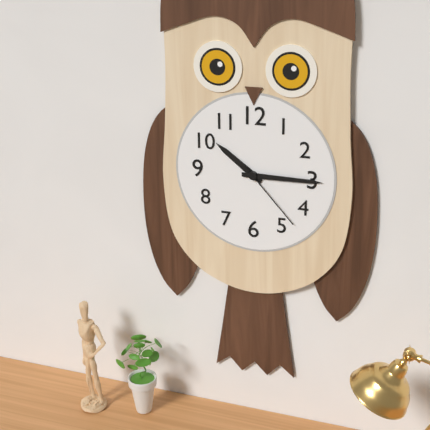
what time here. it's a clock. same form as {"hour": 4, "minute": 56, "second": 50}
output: {"hour": 10, "minute": 15, "second": 23}
